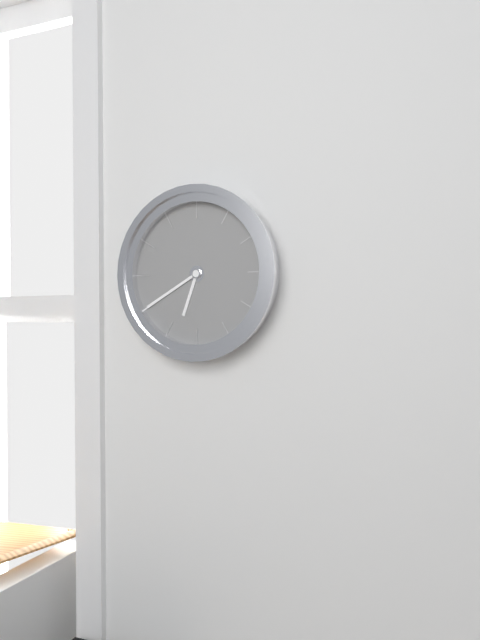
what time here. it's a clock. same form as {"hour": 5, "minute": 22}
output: {"hour": 6, "minute": 40}
